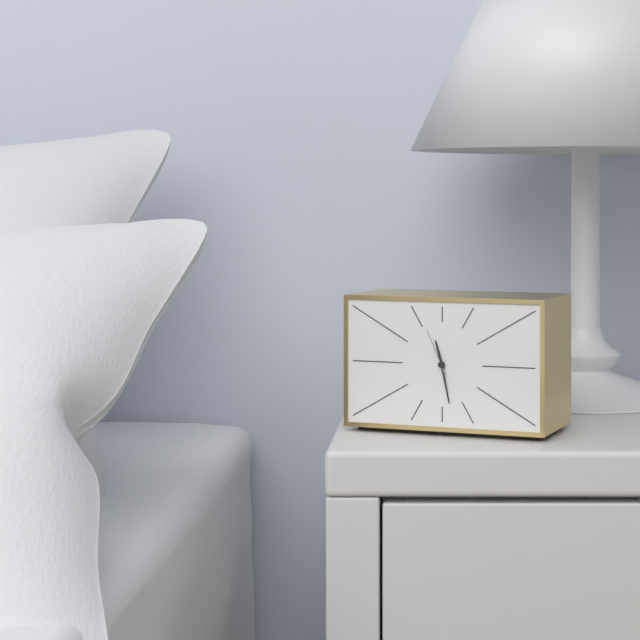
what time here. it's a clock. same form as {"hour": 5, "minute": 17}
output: {"hour": 11, "minute": 28}
